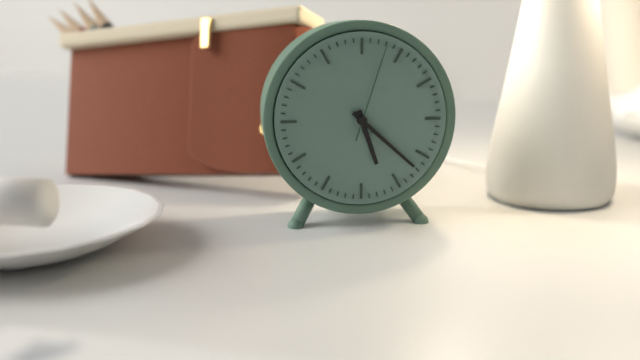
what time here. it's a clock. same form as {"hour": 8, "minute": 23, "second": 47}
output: {"hour": 5, "minute": 22, "second": 3}
